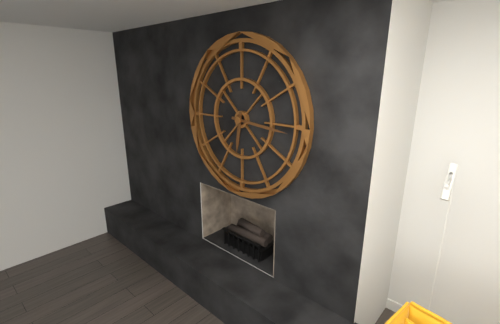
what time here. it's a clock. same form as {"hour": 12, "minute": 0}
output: {"hour": 6, "minute": 16}
